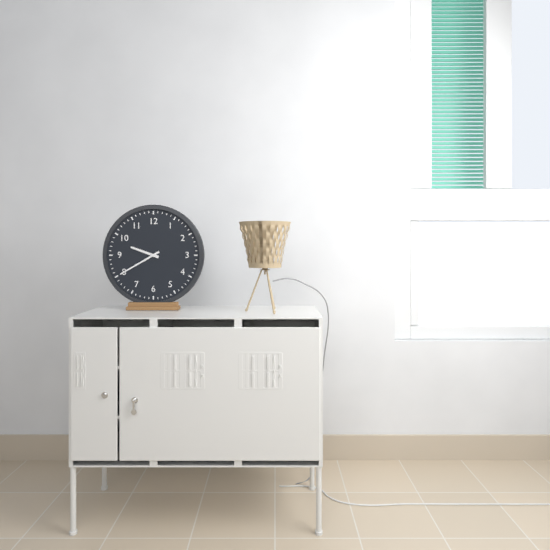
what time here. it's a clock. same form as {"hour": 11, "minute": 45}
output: {"hour": 9, "minute": 40}
